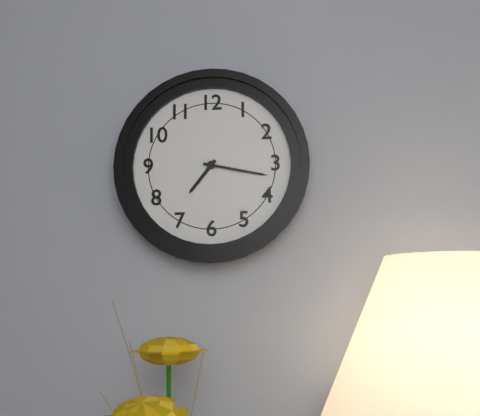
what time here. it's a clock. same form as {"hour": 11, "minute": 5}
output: {"hour": 7, "minute": 17}
